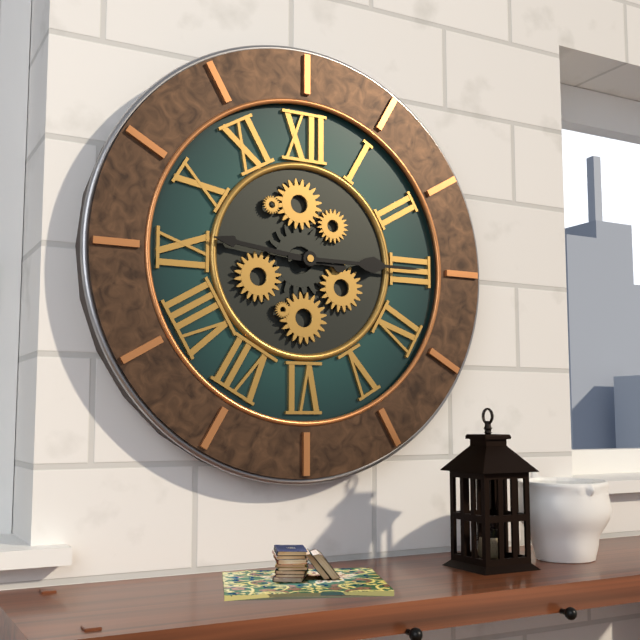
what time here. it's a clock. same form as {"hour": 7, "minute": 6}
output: {"hour": 9, "minute": 15}
